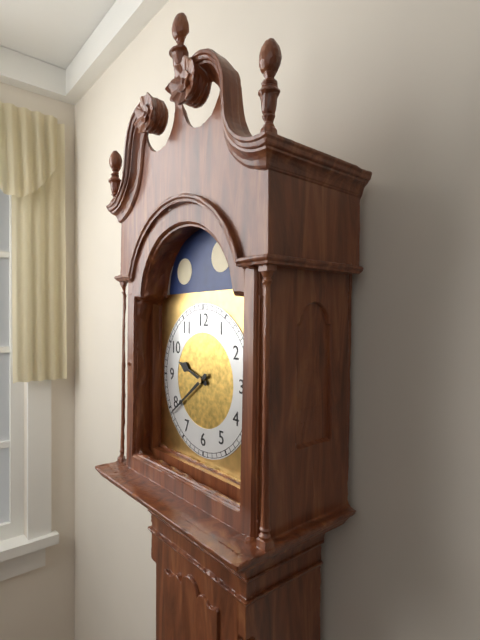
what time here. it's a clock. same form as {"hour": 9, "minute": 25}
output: {"hour": 9, "minute": 39}
